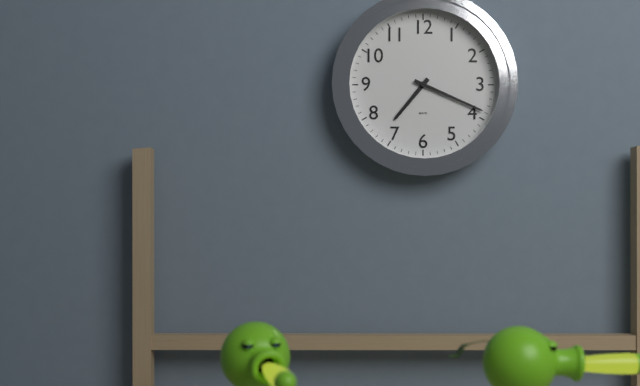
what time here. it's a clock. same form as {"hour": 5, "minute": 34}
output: {"hour": 7, "minute": 19}
